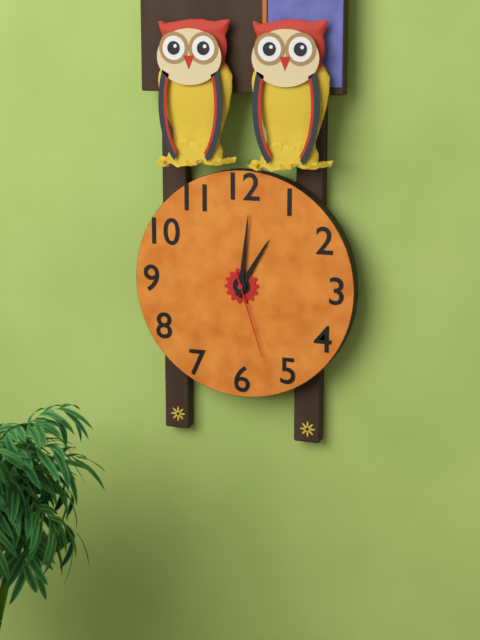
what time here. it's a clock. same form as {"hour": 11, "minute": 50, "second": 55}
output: {"hour": 1, "minute": 1, "second": 27}
